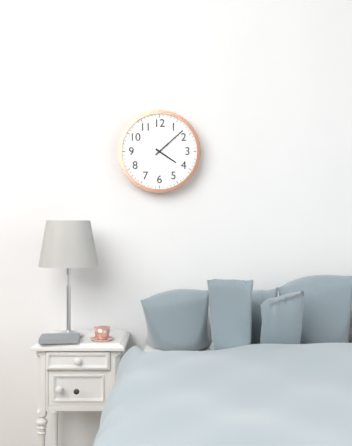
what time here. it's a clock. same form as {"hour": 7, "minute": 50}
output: {"hour": 4, "minute": 8}
